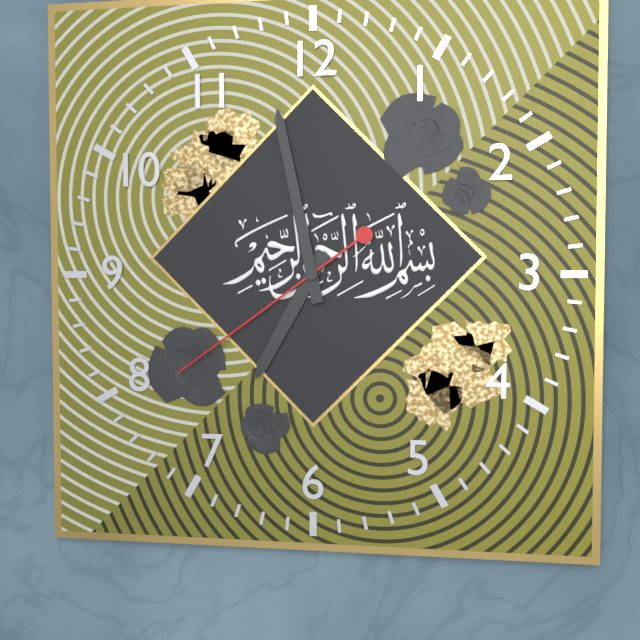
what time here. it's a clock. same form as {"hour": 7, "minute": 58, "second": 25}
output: {"hour": 6, "minute": 58, "second": 39}
